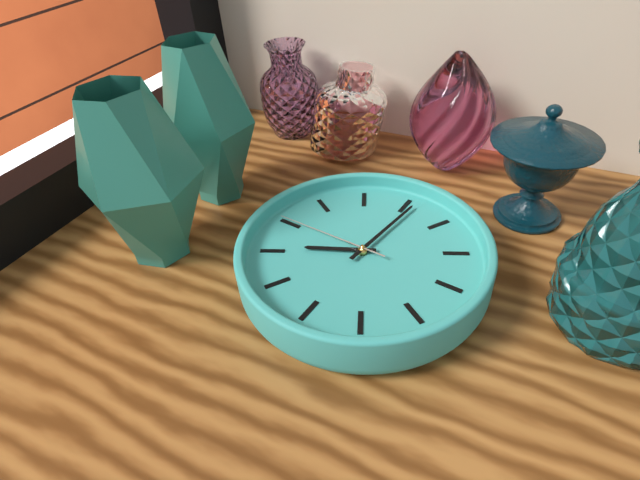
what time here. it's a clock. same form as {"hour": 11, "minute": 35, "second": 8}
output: {"hour": 9, "minute": 6, "second": 50}
